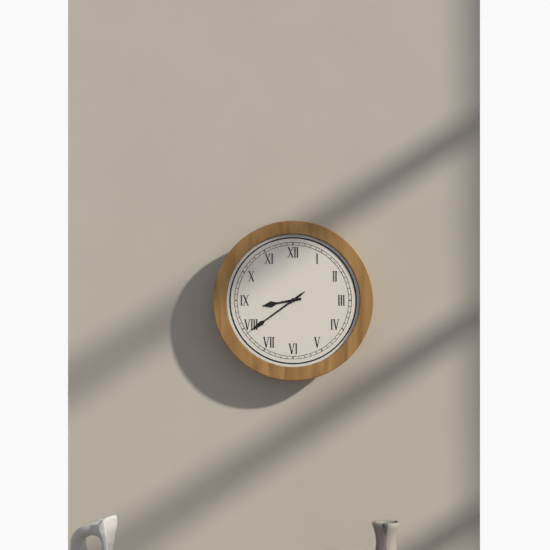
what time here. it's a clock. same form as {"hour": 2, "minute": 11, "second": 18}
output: {"hour": 8, "minute": 39, "second": 39}
